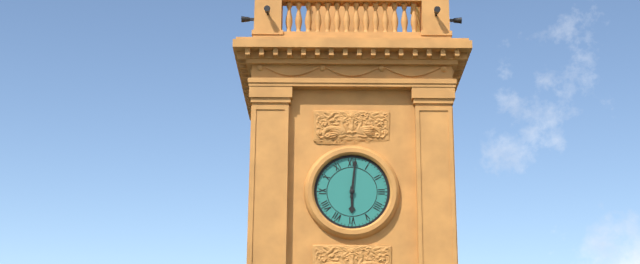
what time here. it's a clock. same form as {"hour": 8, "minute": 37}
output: {"hour": 6, "minute": 1}
